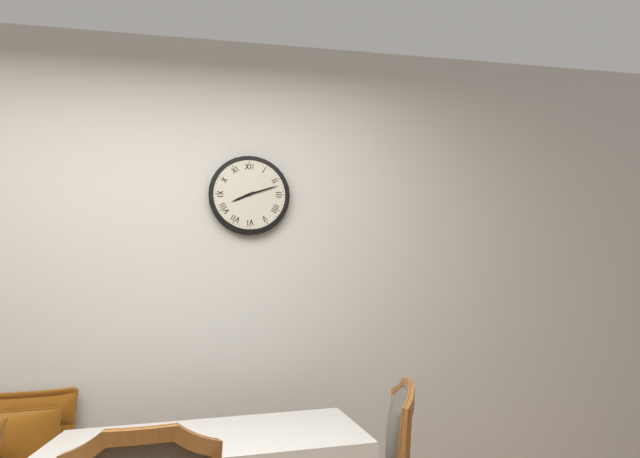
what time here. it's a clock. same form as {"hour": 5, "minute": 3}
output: {"hour": 8, "minute": 12}
